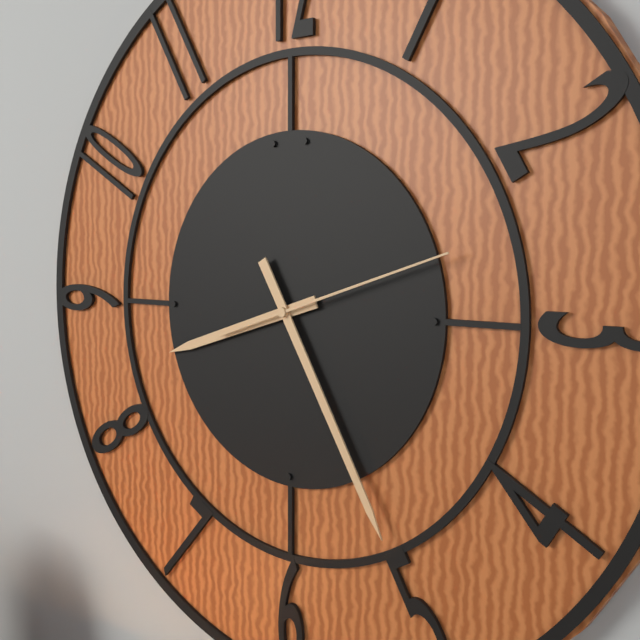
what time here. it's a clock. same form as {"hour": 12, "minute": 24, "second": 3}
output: {"hour": 8, "minute": 25, "second": 12}
